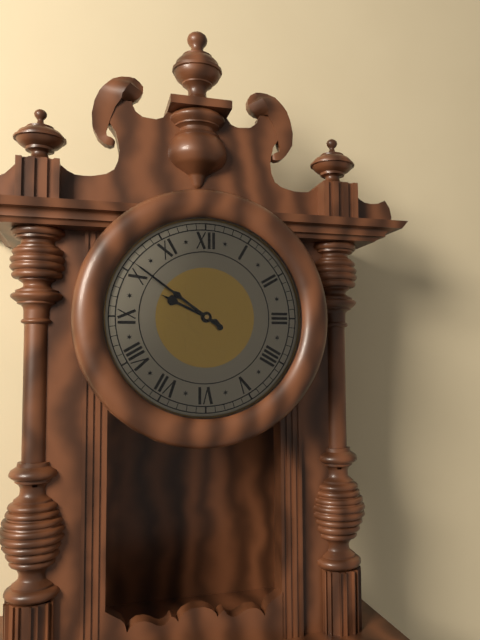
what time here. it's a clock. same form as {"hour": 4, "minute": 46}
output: {"hour": 9, "minute": 51}
